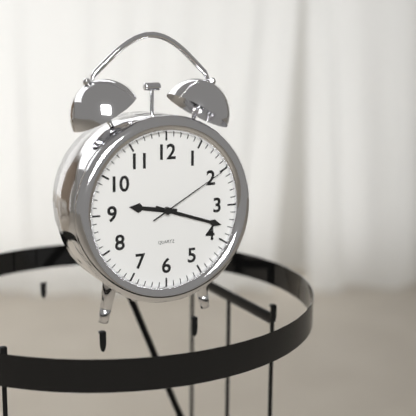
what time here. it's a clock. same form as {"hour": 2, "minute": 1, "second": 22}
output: {"hour": 9, "minute": 18, "second": 10}
